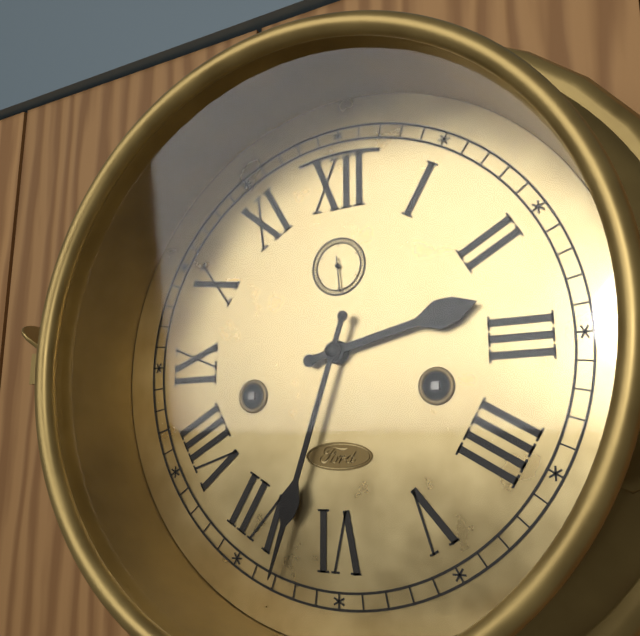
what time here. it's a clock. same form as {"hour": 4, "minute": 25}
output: {"hour": 2, "minute": 33}
